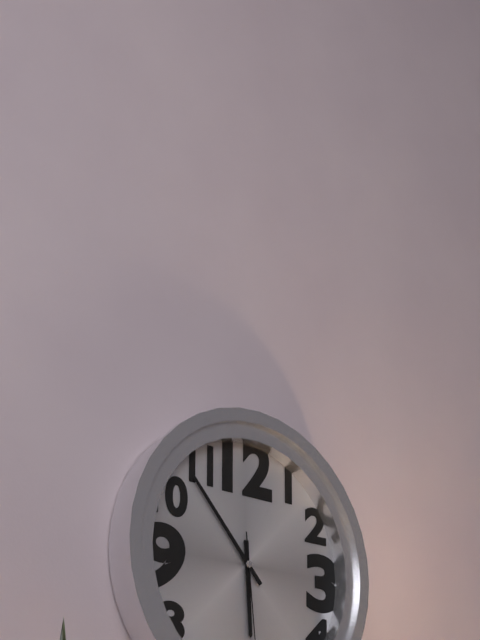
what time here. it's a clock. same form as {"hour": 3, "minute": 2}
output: {"hour": 5, "minute": 53}
